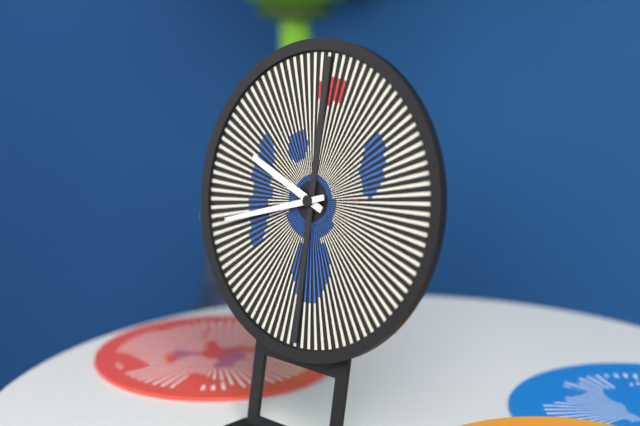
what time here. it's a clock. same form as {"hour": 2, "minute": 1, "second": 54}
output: {"hour": 9, "minute": 42, "second": 30}
